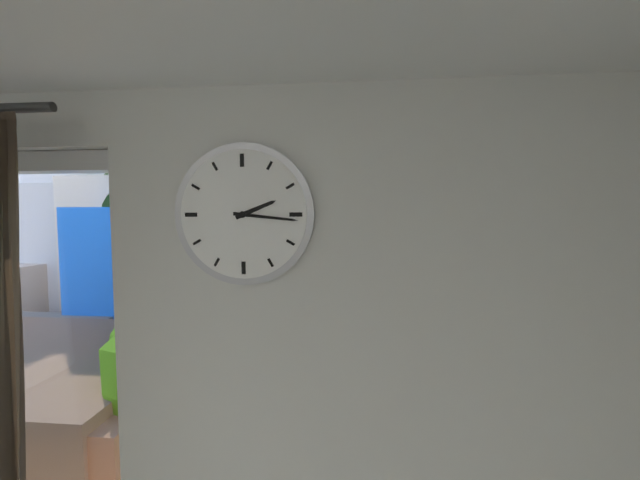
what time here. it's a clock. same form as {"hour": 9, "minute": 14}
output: {"hour": 2, "minute": 16}
